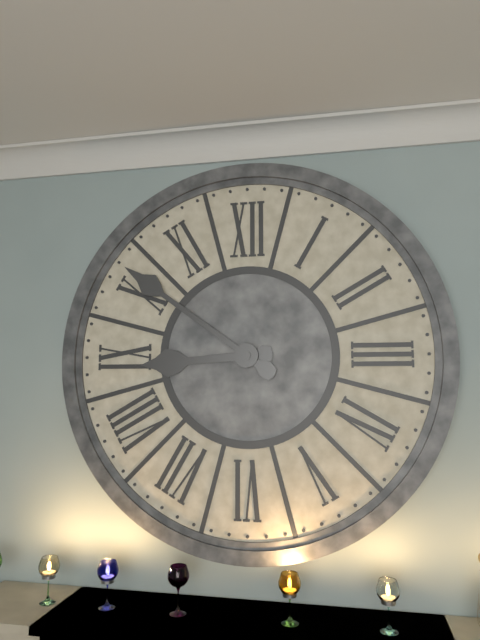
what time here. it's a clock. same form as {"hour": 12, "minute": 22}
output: {"hour": 8, "minute": 51}
